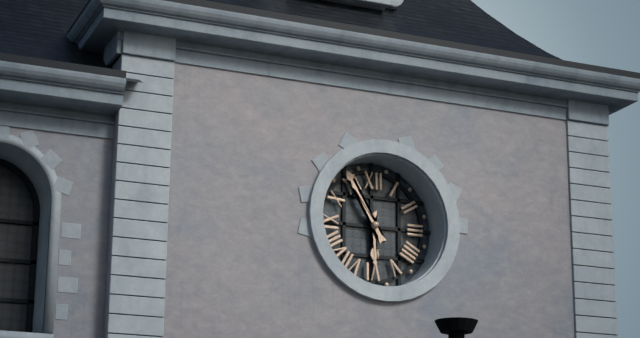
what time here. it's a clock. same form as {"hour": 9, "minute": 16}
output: {"hour": 5, "minute": 55}
